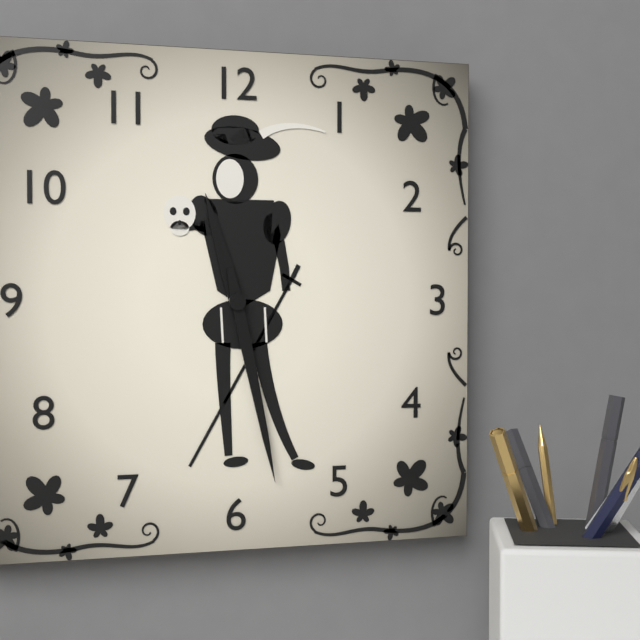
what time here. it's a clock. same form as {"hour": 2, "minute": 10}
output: {"hour": 11, "minute": 28}
